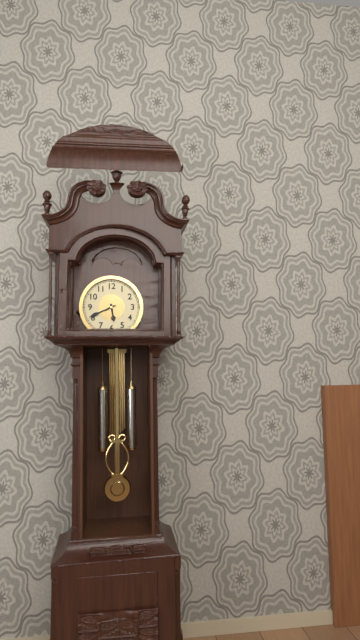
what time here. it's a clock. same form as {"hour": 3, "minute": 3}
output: {"hour": 5, "minute": 41}
